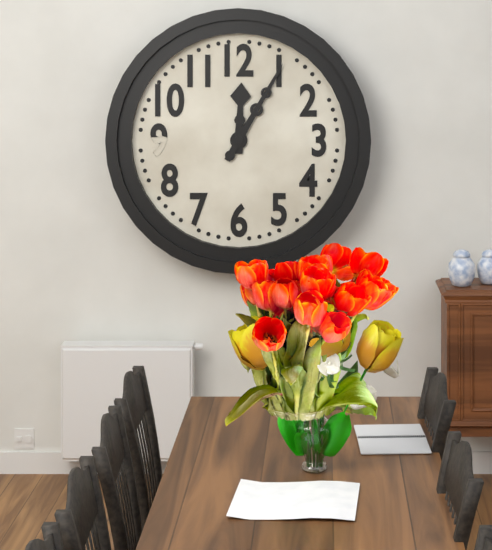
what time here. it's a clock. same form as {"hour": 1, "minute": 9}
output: {"hour": 12, "minute": 5}
